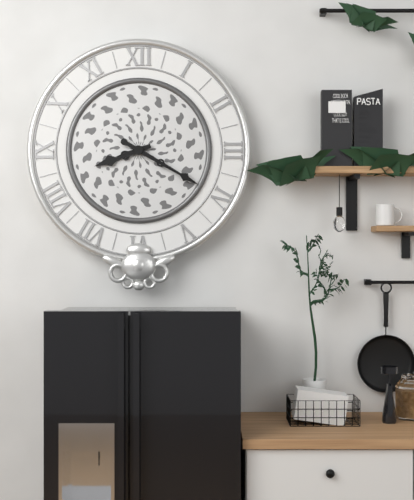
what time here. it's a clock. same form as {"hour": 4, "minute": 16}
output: {"hour": 8, "minute": 20}
